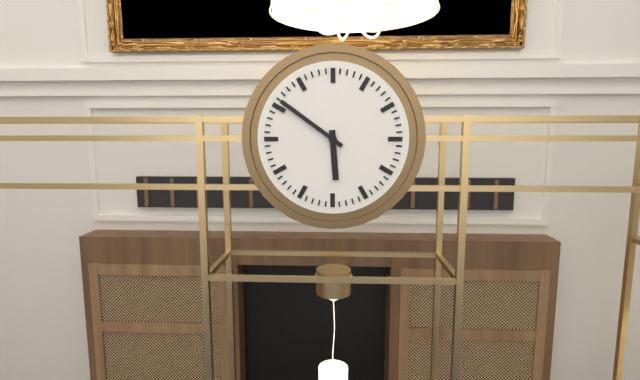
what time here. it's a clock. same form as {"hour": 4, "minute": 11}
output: {"hour": 5, "minute": 51}
